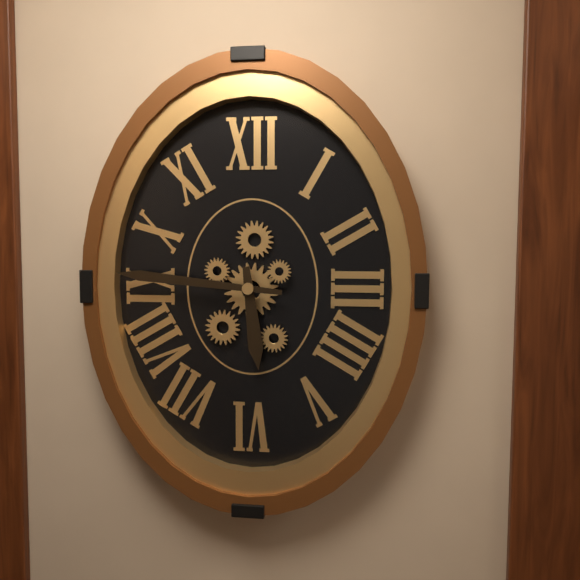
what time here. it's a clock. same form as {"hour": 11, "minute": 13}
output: {"hour": 5, "minute": 46}
